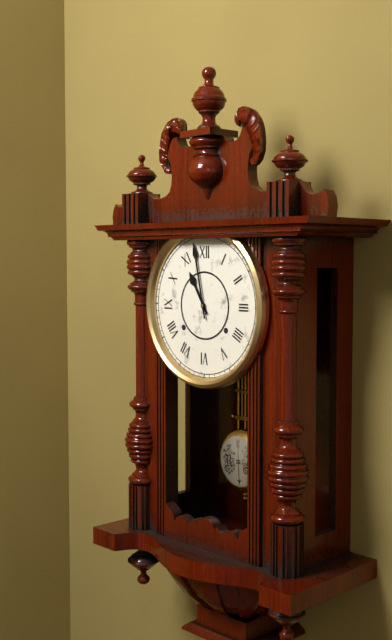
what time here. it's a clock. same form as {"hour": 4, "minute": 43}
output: {"hour": 10, "minute": 58}
